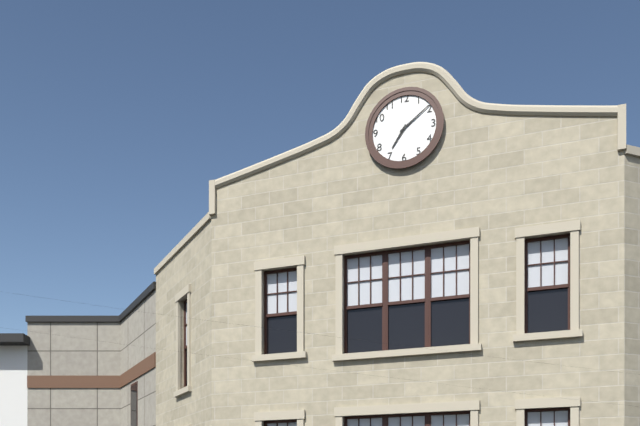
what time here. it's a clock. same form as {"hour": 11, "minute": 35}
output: {"hour": 7, "minute": 9}
